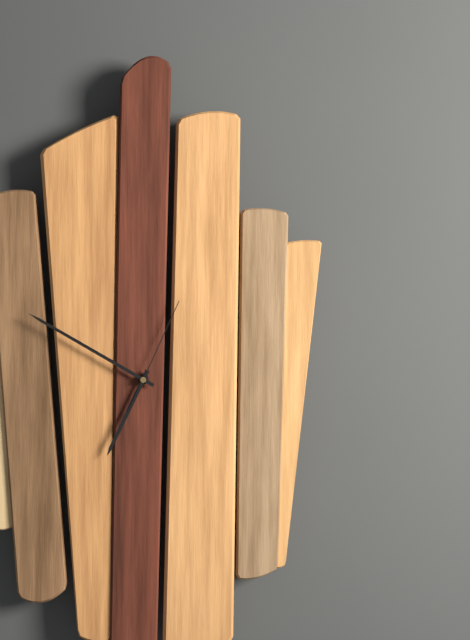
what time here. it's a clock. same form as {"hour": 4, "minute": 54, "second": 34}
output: {"hour": 6, "minute": 50, "second": 4}
